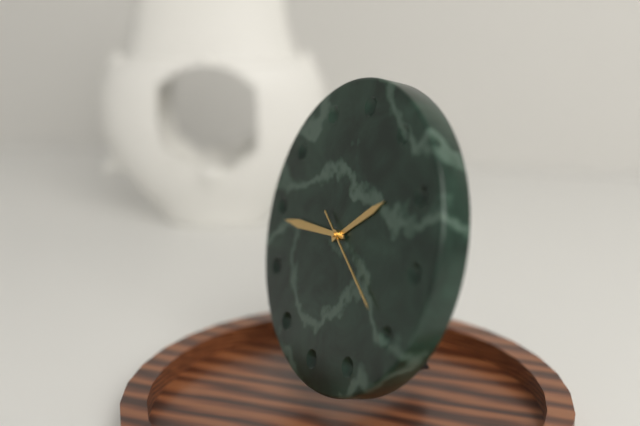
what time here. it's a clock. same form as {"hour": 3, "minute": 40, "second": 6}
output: {"hour": 1, "minute": 44, "second": 20}
